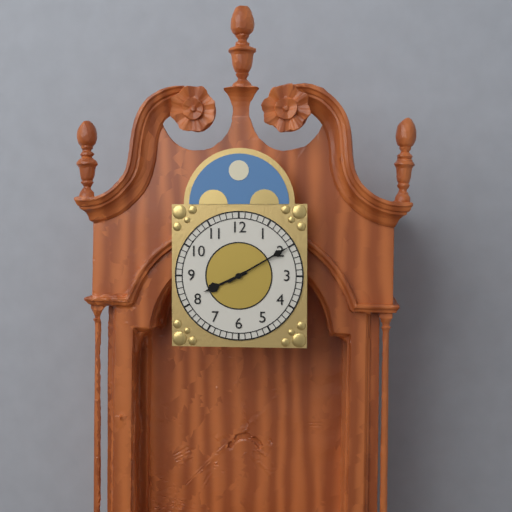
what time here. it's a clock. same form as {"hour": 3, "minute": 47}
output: {"hour": 8, "minute": 10}
